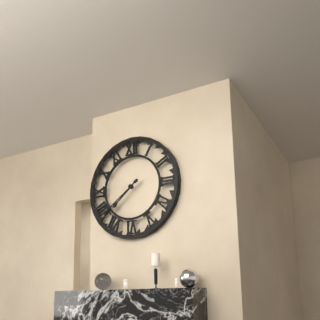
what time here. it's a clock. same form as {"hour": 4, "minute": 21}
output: {"hour": 7, "minute": 39}
